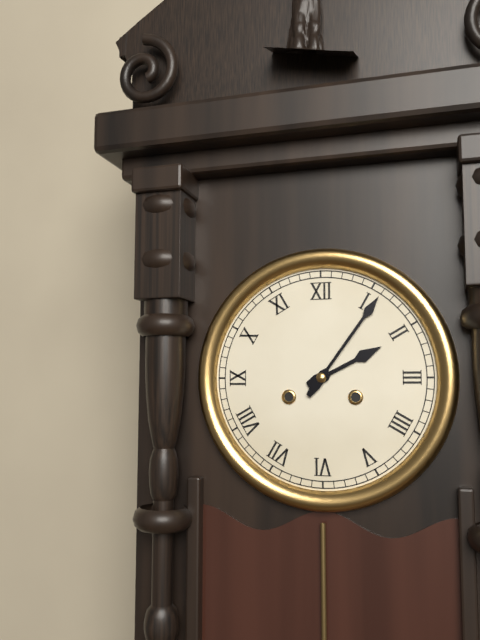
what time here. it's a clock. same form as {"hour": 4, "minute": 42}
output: {"hour": 2, "minute": 6}
